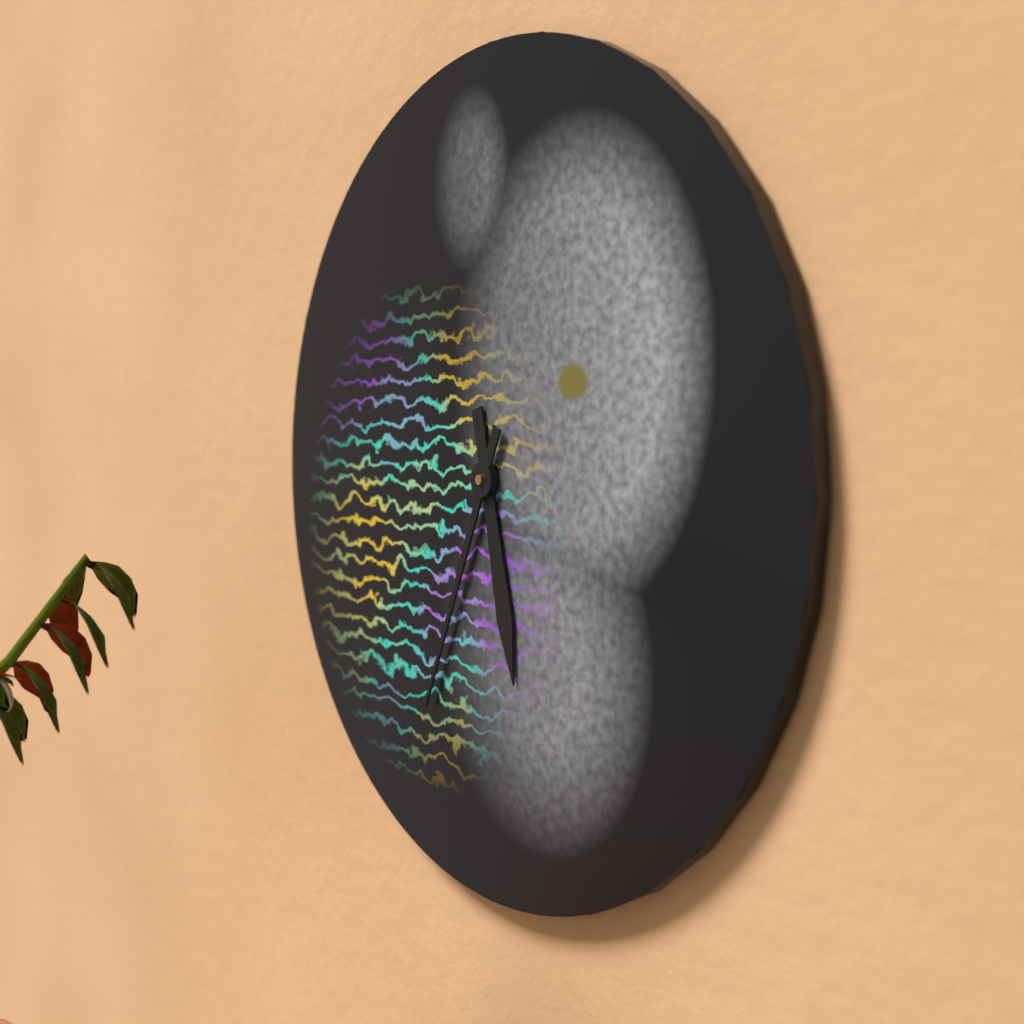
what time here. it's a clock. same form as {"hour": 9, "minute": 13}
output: {"hour": 5, "minute": 34}
